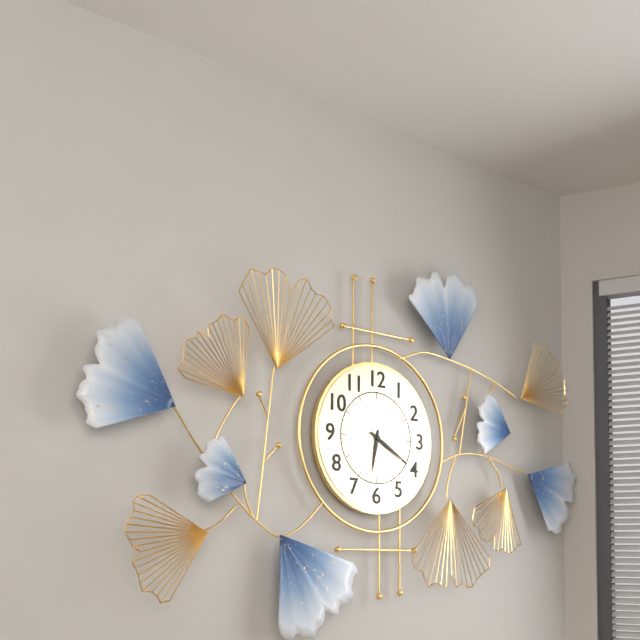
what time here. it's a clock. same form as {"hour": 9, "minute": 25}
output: {"hour": 6, "minute": 20}
